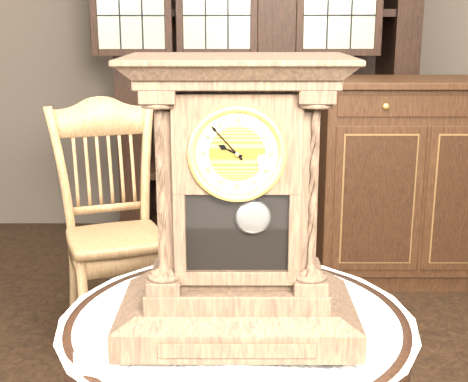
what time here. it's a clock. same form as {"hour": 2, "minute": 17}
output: {"hour": 9, "minute": 53}
